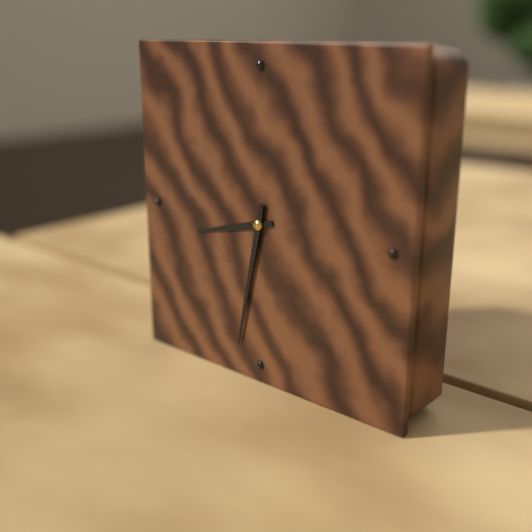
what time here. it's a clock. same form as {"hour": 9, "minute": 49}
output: {"hour": 8, "minute": 32}
